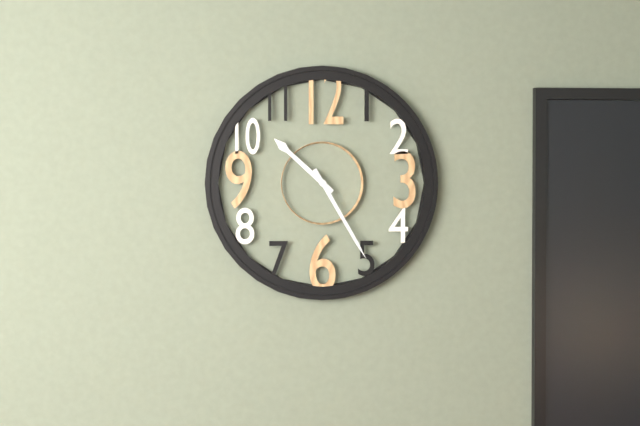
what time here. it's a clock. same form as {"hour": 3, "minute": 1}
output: {"hour": 10, "minute": 25}
